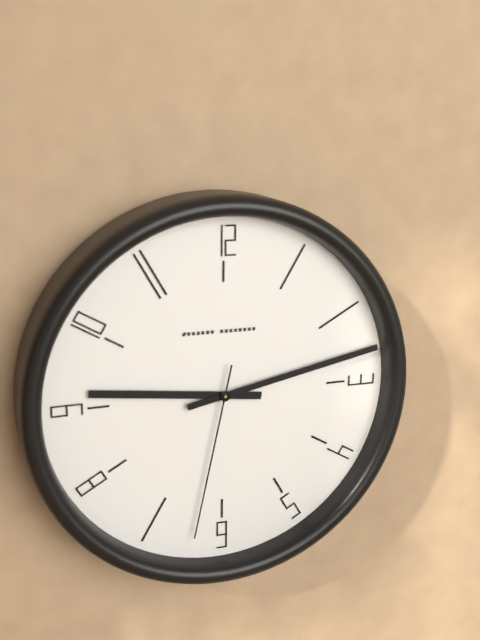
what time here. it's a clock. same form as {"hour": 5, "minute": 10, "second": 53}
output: {"hour": 9, "minute": 13, "second": 32}
